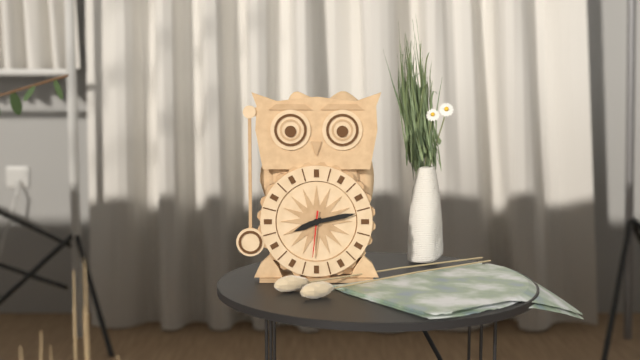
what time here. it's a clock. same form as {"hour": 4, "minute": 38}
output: {"hour": 8, "minute": 13}
